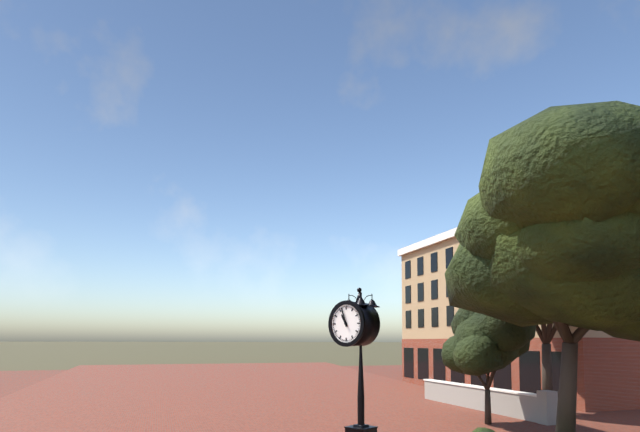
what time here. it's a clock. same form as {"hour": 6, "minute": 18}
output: {"hour": 10, "minute": 57}
